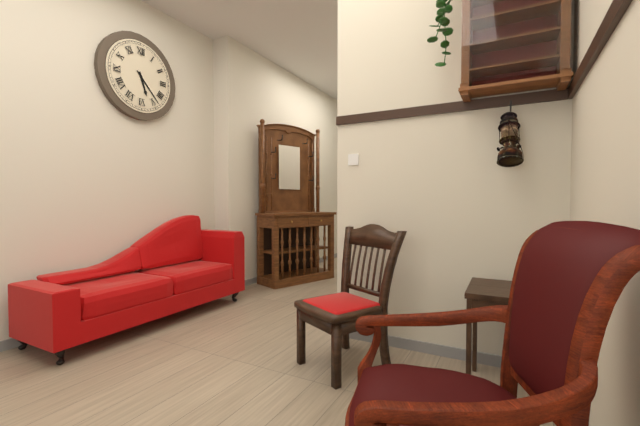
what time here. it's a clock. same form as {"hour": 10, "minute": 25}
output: {"hour": 5, "minute": 23}
